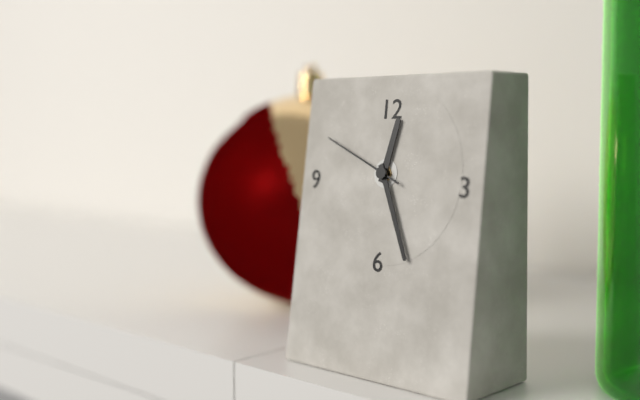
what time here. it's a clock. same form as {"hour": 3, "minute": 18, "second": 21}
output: {"hour": 12, "minute": 26, "second": 49}
